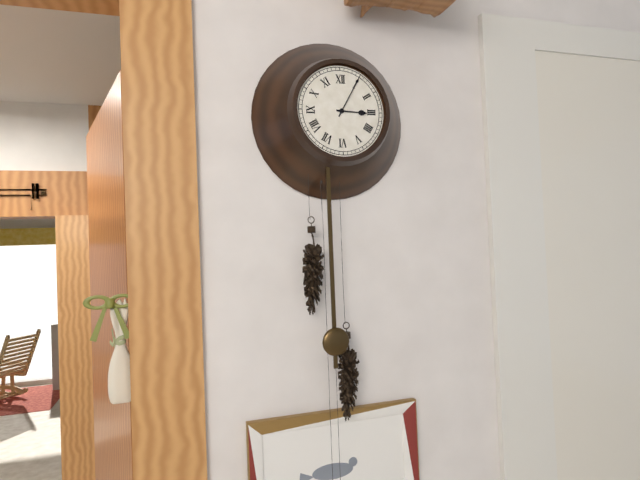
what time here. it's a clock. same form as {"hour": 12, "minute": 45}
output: {"hour": 3, "minute": 5}
